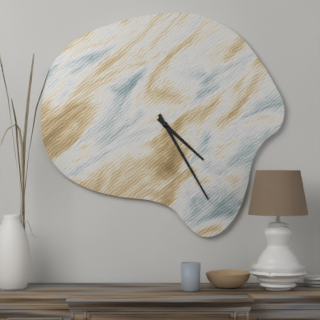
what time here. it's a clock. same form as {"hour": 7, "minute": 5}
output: {"hour": 4, "minute": 25}
